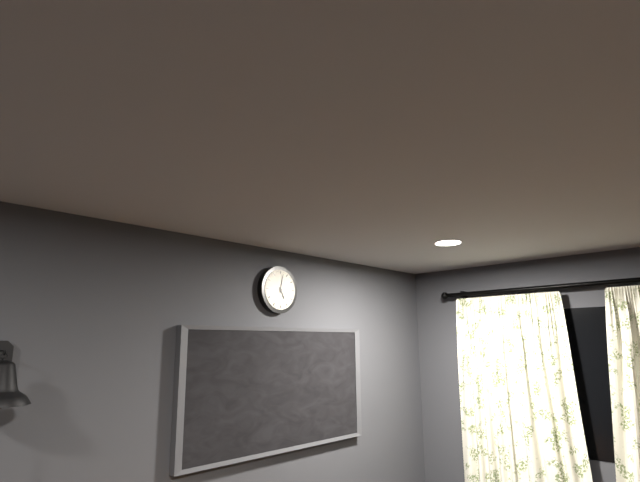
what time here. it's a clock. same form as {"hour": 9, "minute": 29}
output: {"hour": 5, "minute": 2}
